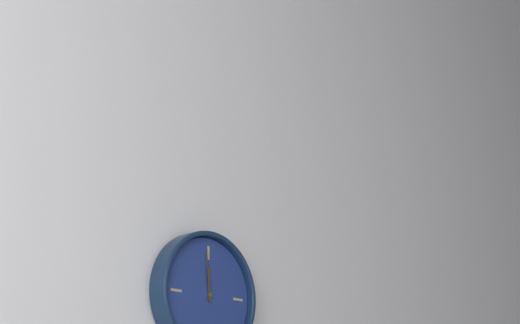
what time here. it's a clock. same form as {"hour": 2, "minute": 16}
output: {"hour": 11, "minute": 59}
